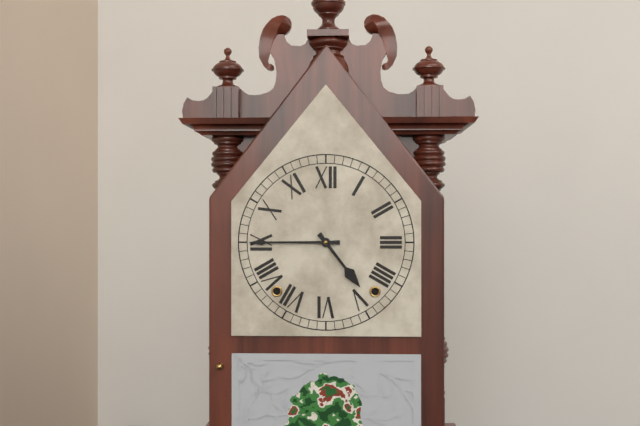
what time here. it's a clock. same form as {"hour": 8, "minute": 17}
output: {"hour": 4, "minute": 45}
